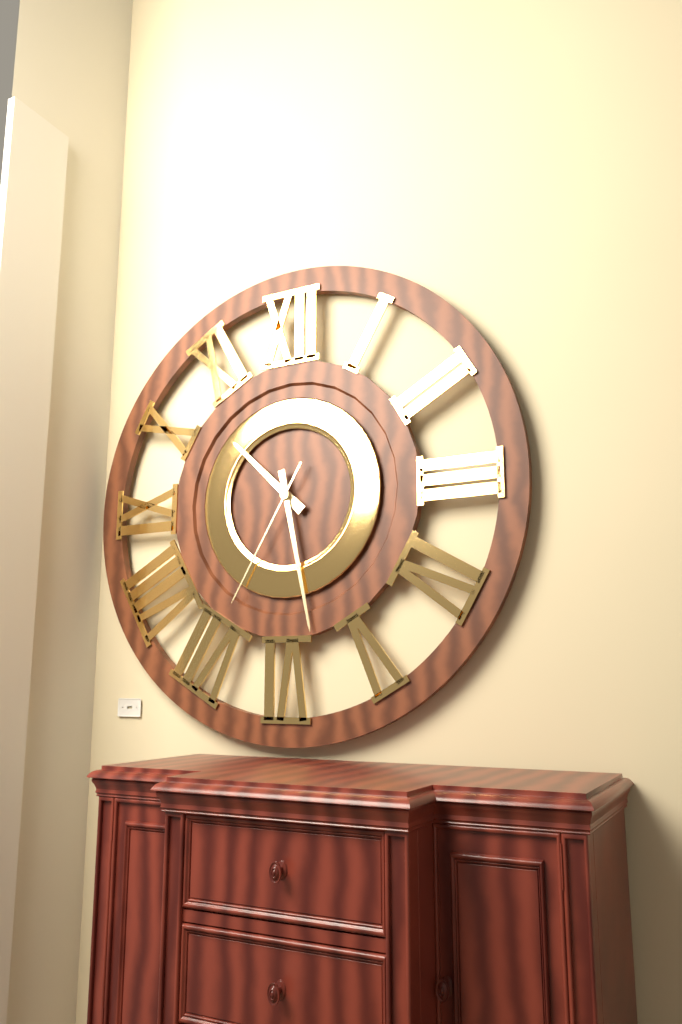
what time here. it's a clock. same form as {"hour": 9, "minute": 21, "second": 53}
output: {"hour": 10, "minute": 28, "second": 35}
